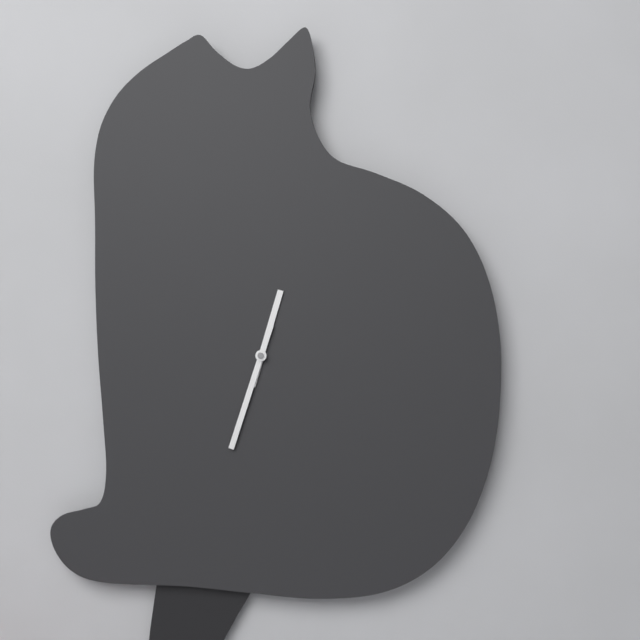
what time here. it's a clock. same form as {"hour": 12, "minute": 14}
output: {"hour": 12, "minute": 33}
